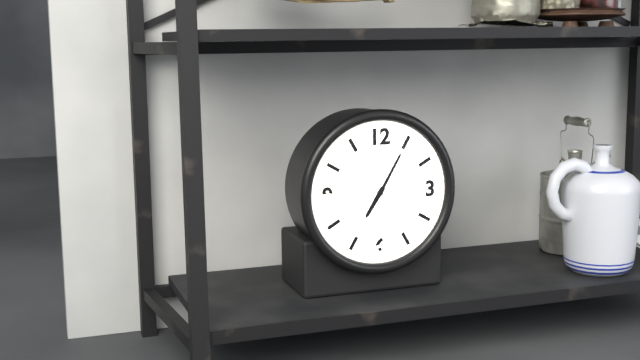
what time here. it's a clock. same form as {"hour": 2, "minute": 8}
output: {"hour": 7, "minute": 5}
